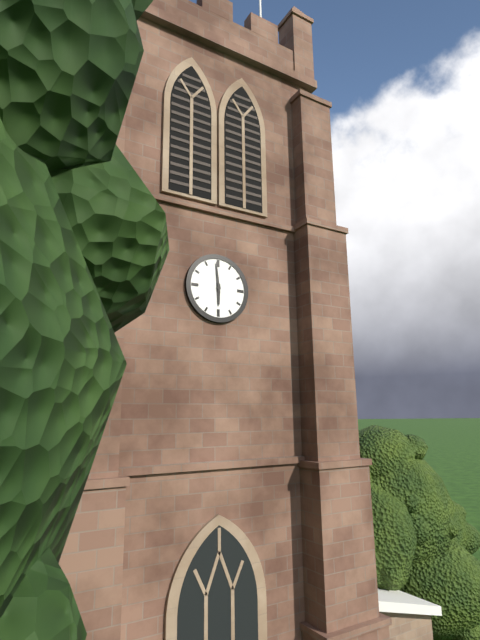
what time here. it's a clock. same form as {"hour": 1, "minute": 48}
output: {"hour": 5, "minute": 59}
